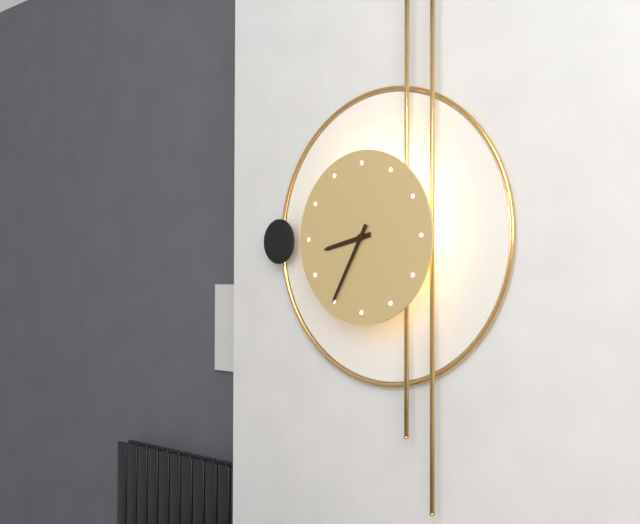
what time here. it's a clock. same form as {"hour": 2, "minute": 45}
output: {"hour": 8, "minute": 35}
